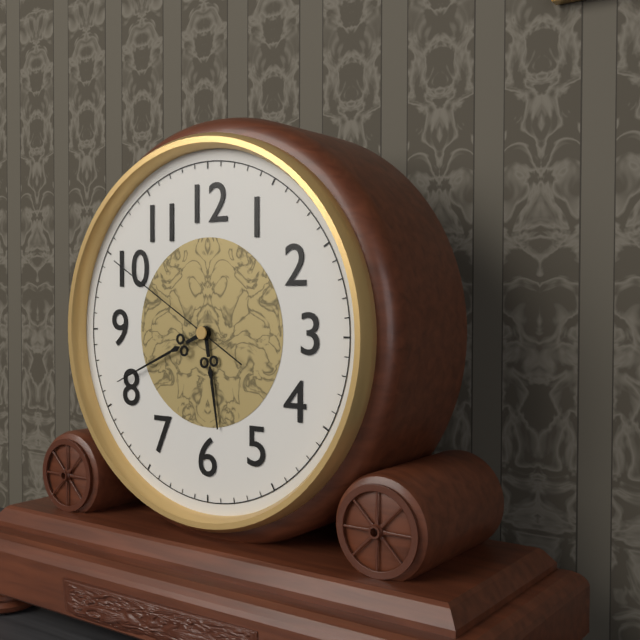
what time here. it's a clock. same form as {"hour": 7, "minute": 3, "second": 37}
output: {"hour": 5, "minute": 41, "second": 50}
